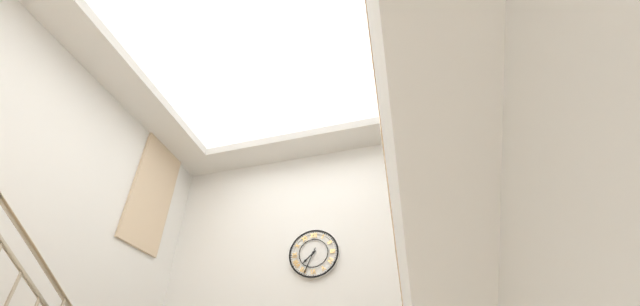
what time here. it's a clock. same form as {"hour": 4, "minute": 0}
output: {"hour": 7, "minute": 34}
